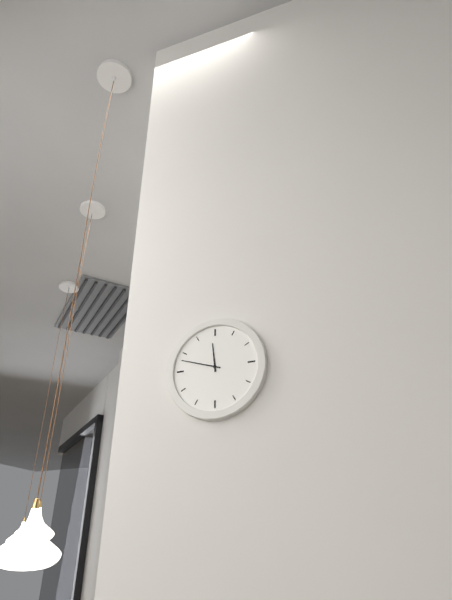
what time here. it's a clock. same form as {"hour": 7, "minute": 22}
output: {"hour": 11, "minute": 48}
